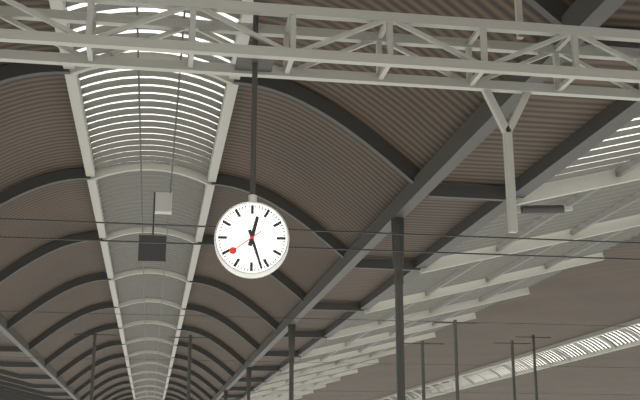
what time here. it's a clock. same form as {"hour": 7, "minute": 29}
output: {"hour": 12, "minute": 27}
